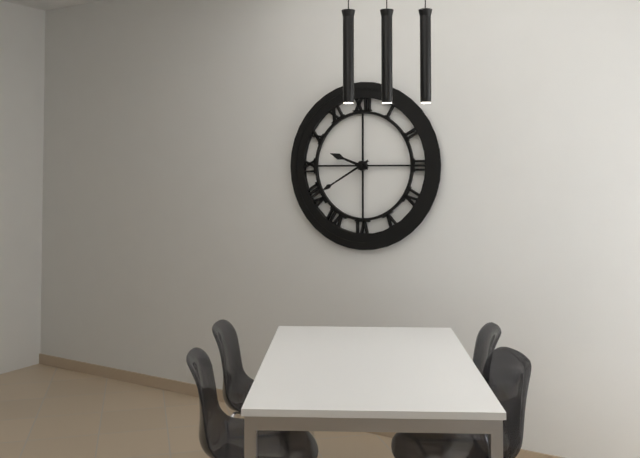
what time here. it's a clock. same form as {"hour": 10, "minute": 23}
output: {"hour": 9, "minute": 40}
